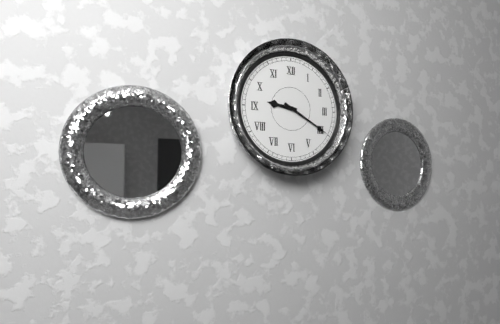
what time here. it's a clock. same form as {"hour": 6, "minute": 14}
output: {"hour": 9, "minute": 20}
